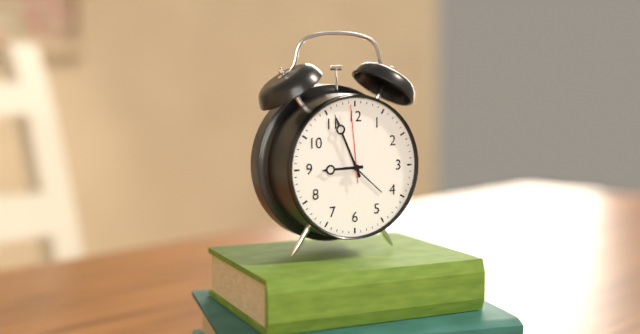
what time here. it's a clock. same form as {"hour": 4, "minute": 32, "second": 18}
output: {"hour": 8, "minute": 56, "second": 59}
